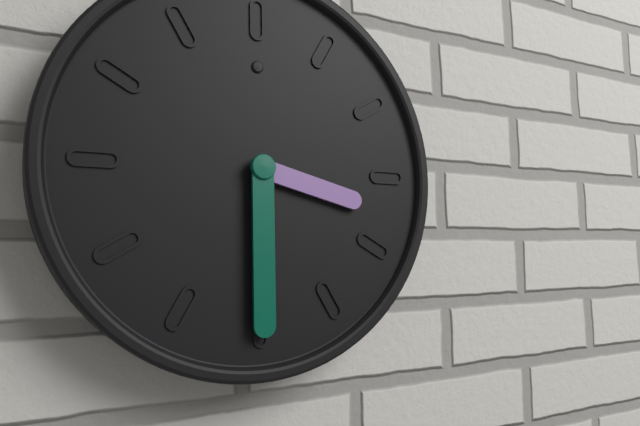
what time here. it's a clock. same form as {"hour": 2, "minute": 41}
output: {"hour": 3, "minute": 30}
